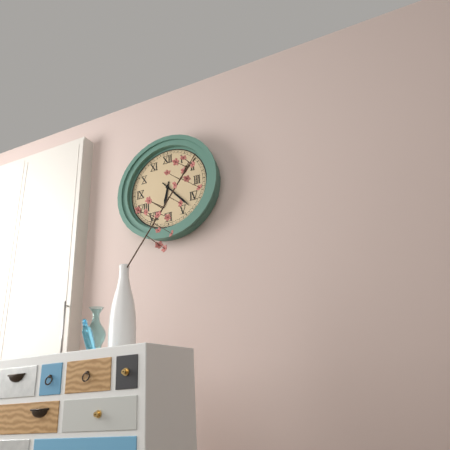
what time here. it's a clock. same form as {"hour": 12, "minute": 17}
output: {"hour": 6, "minute": 23}
